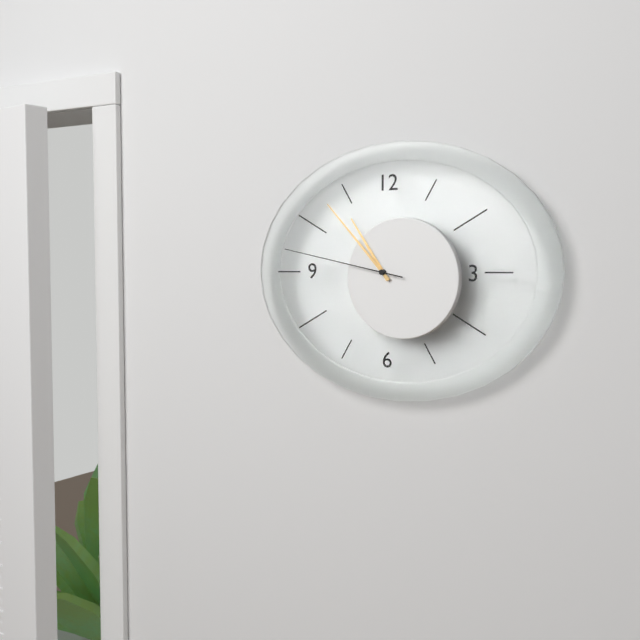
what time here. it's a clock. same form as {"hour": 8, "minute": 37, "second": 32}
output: {"hour": 10, "minute": 53, "second": 47}
